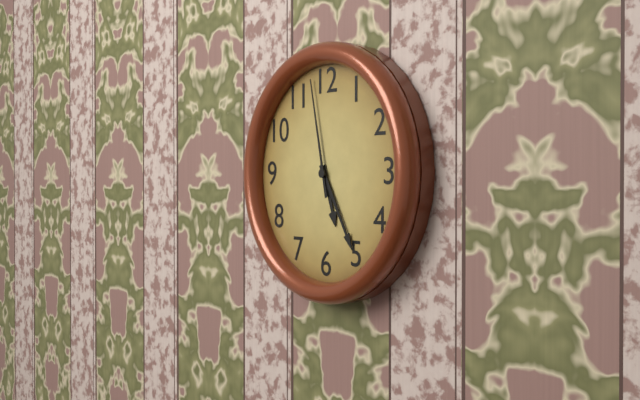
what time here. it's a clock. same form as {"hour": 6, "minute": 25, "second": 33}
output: {"hour": 5, "minute": 25, "second": 58}
